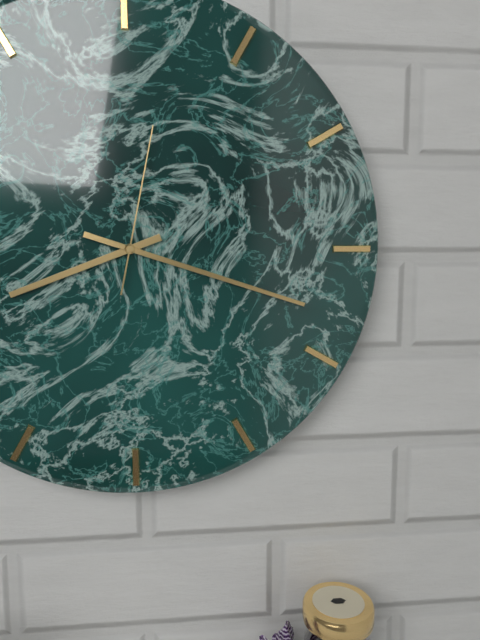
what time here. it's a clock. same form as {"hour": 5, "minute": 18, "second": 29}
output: {"hour": 8, "minute": 18, "second": 2}
